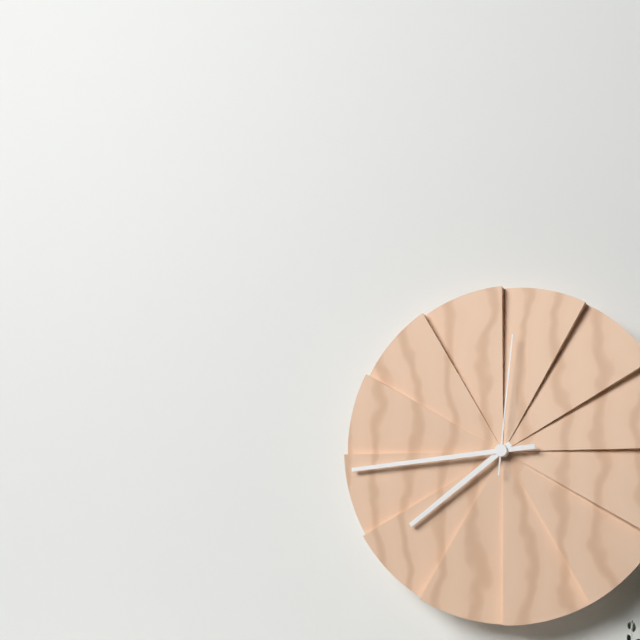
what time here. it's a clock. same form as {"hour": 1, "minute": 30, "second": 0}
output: {"hour": 7, "minute": 44, "second": 1}
